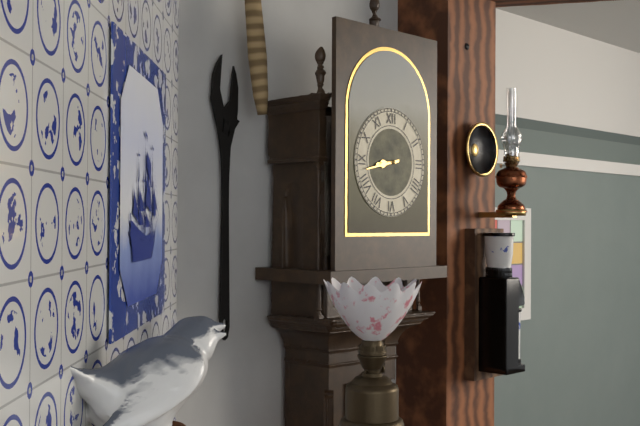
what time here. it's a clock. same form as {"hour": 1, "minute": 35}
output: {"hour": 8, "minute": 43}
